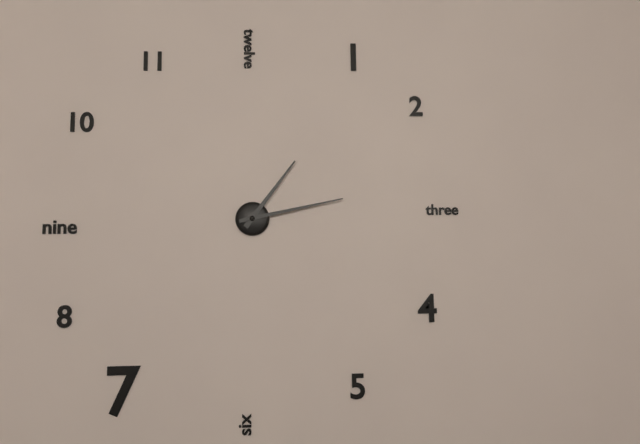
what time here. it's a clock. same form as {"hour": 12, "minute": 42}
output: {"hour": 1, "minute": 13}
